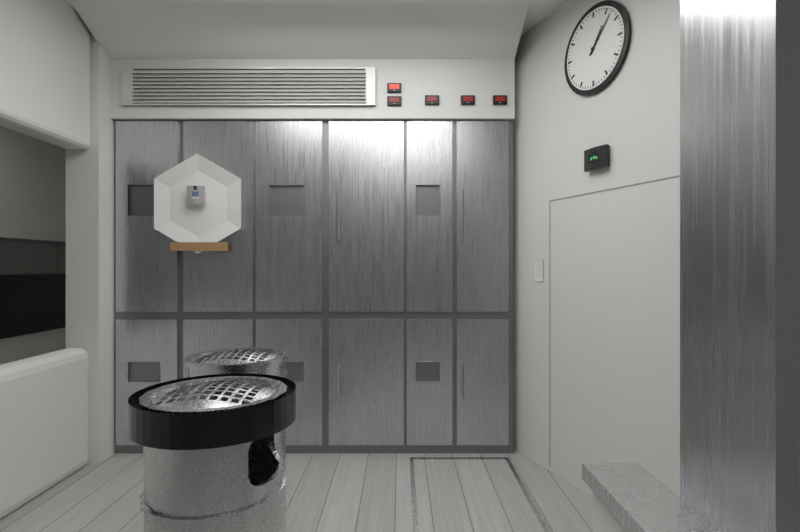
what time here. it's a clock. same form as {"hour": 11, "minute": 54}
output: {"hour": 1, "minute": 7}
